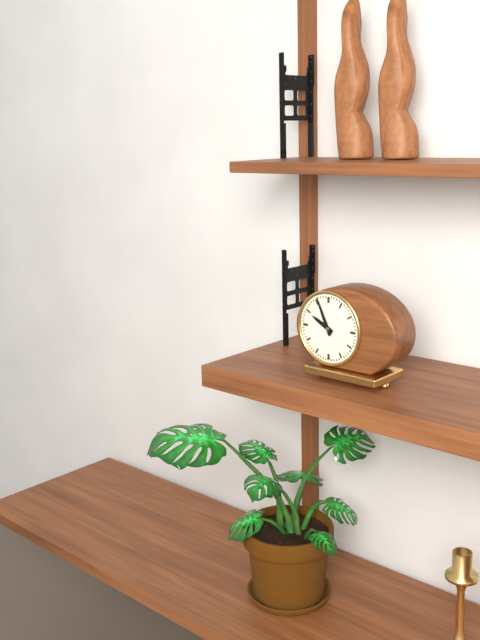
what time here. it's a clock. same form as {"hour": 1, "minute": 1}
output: {"hour": 9, "minute": 56}
